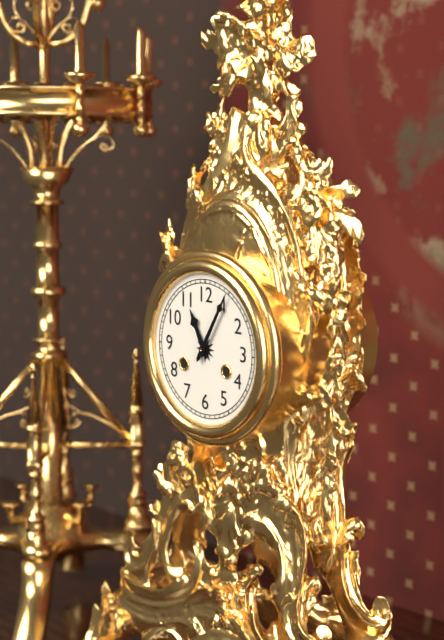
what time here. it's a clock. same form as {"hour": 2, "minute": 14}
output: {"hour": 11, "minute": 5}
